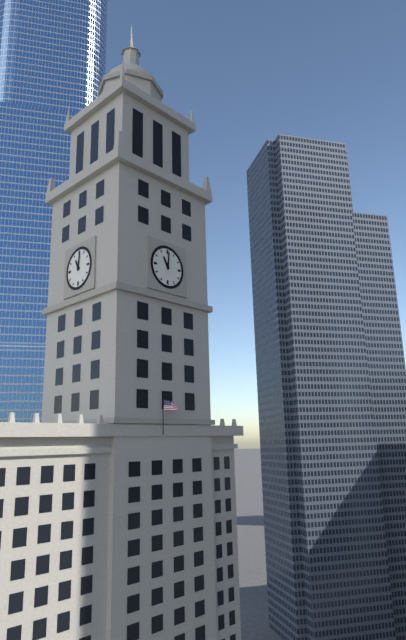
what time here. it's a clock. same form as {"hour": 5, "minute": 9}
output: {"hour": 11, "minute": 1}
